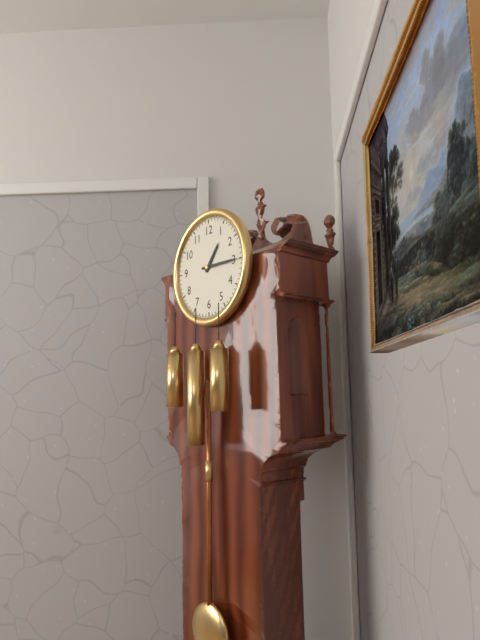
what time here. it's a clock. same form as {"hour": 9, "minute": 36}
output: {"hour": 1, "minute": 15}
